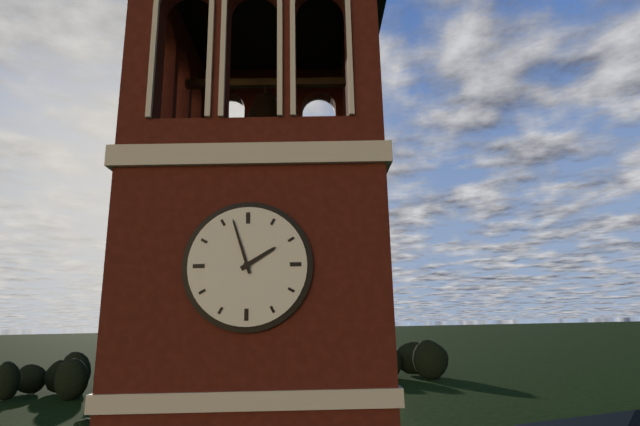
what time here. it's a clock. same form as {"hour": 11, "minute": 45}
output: {"hour": 1, "minute": 57}
